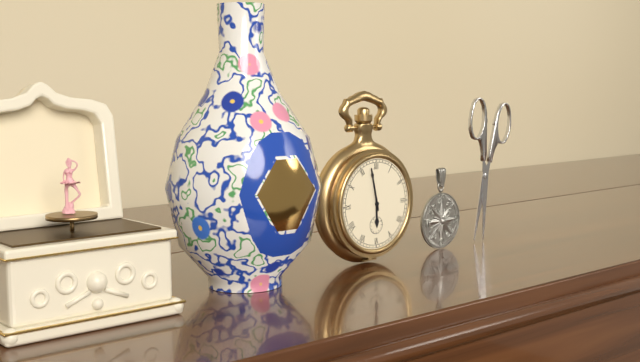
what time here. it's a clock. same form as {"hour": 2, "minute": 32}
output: {"hour": 5, "minute": 58}
